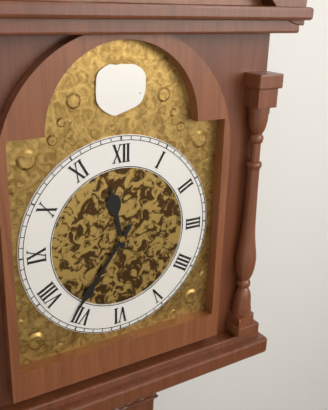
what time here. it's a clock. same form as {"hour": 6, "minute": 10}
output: {"hour": 11, "minute": 36}
